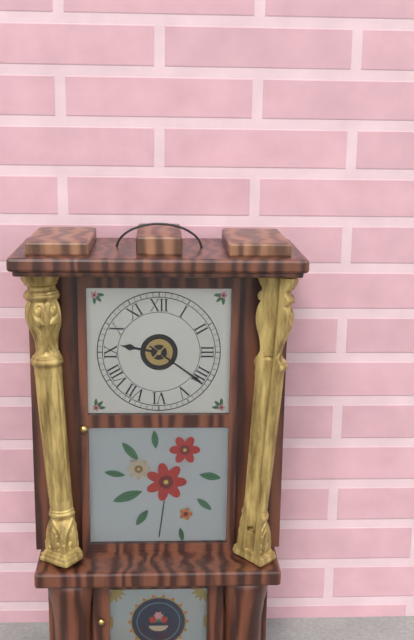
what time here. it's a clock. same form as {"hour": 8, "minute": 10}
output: {"hour": 9, "minute": 21}
